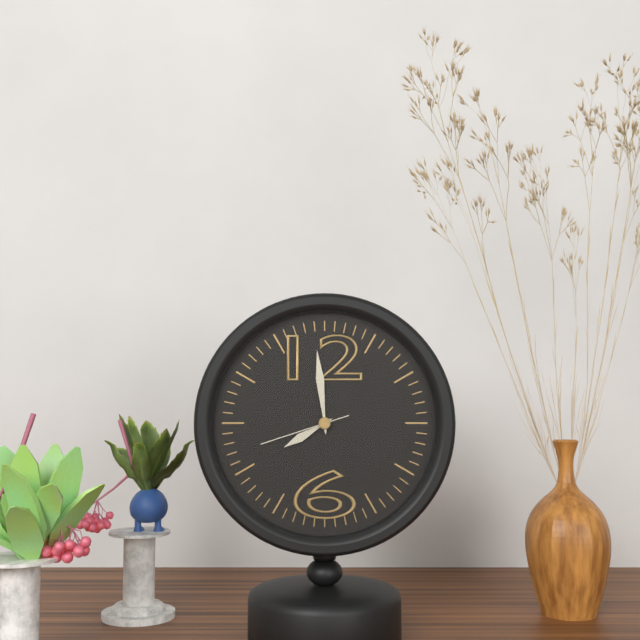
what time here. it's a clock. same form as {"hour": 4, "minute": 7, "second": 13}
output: {"hour": 7, "minute": 59, "second": 42}
